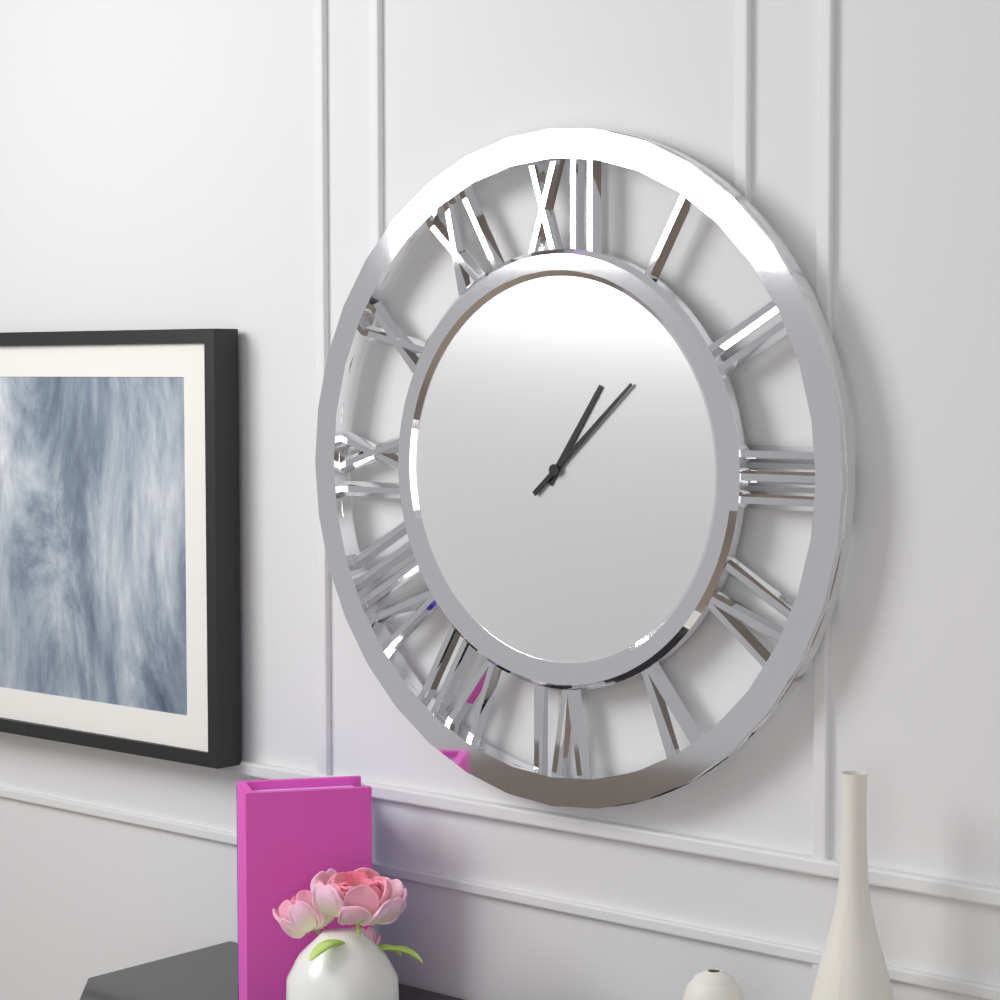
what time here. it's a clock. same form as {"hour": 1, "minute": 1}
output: {"hour": 1, "minute": 8}
